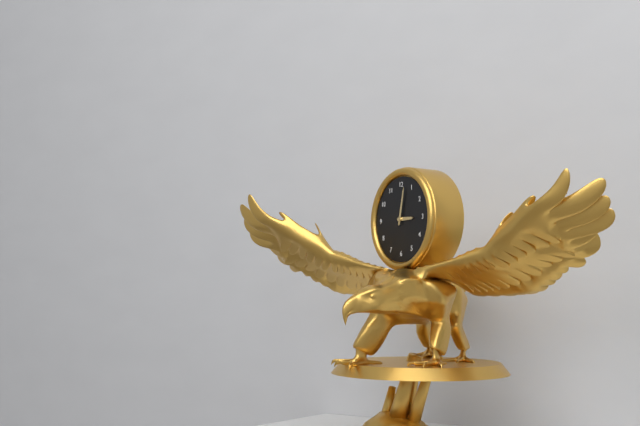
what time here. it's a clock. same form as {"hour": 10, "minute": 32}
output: {"hour": 3, "minute": 2}
